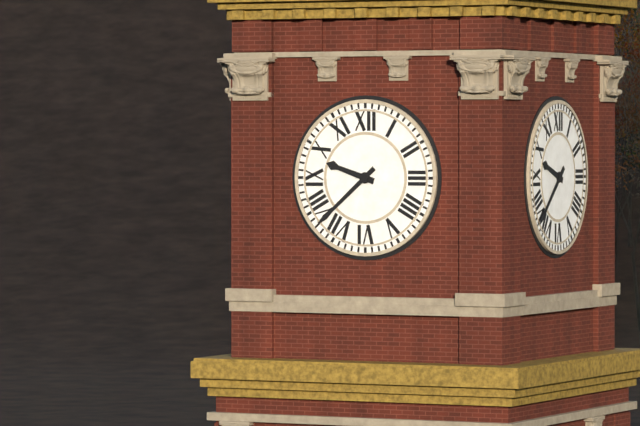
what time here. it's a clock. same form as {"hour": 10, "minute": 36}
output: {"hour": 9, "minute": 38}
